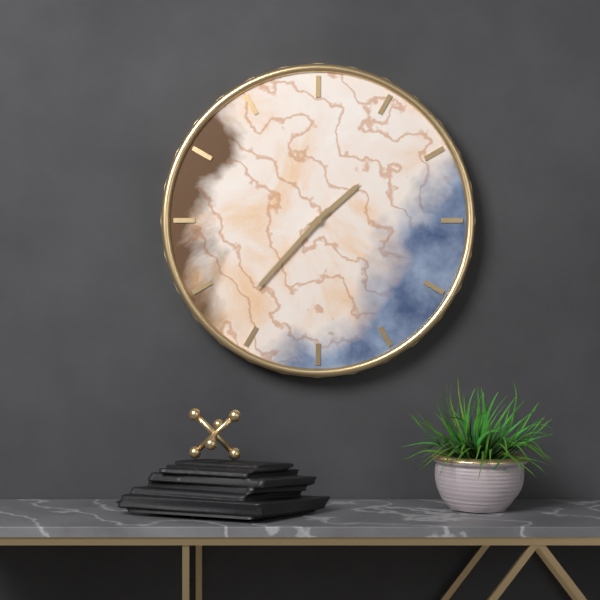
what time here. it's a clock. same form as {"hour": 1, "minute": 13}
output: {"hour": 1, "minute": 37}
